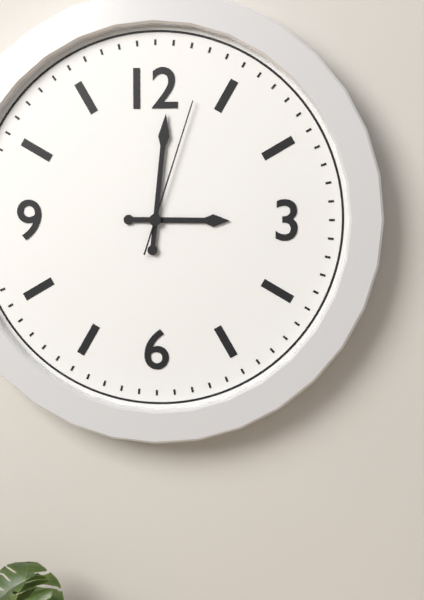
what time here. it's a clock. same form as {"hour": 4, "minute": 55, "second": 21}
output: {"hour": 3, "minute": 1, "second": 3}
